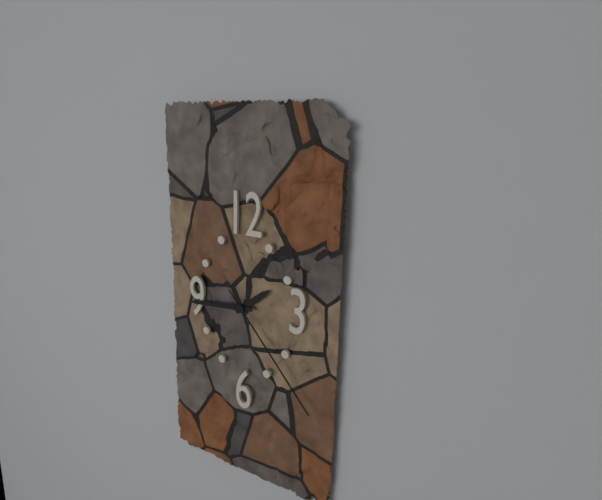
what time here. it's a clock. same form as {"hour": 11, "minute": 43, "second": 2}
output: {"hour": 1, "minute": 44, "second": 23}
